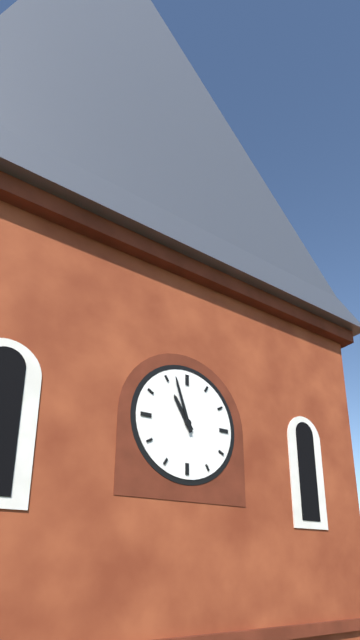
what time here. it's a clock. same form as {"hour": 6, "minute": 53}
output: {"hour": 10, "minute": 57}
